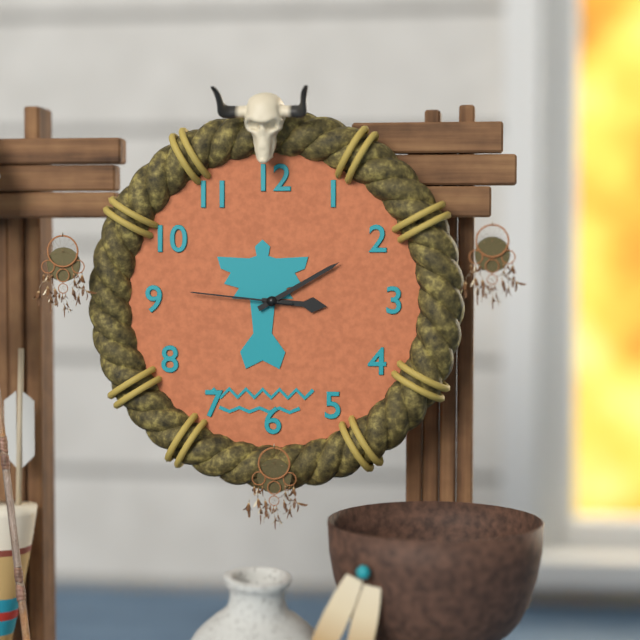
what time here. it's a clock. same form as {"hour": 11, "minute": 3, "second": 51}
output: {"hour": 3, "minute": 10, "second": 46}
